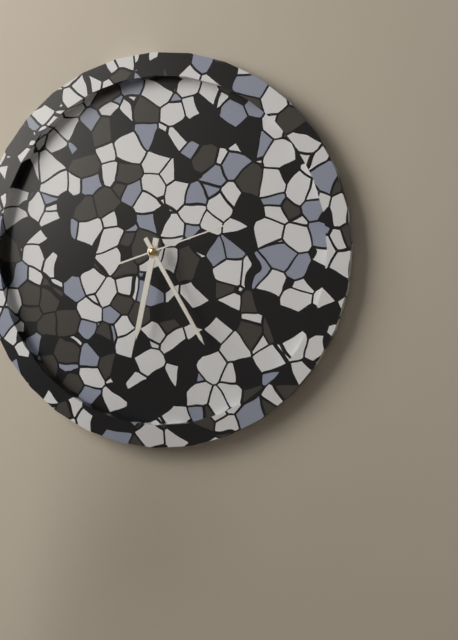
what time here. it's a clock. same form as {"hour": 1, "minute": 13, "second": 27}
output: {"hour": 6, "minute": 25, "second": 12}
